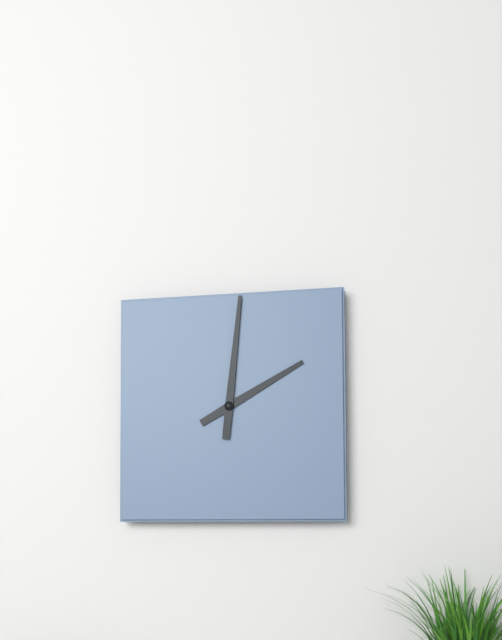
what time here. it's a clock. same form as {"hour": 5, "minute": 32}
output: {"hour": 2, "minute": 1}
